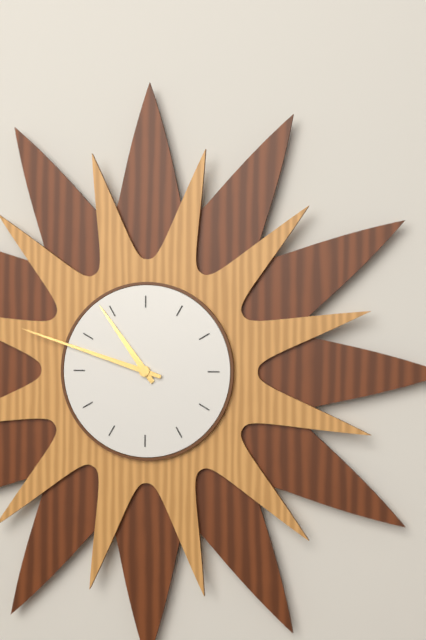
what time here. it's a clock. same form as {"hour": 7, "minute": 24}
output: {"hour": 10, "minute": 48}
